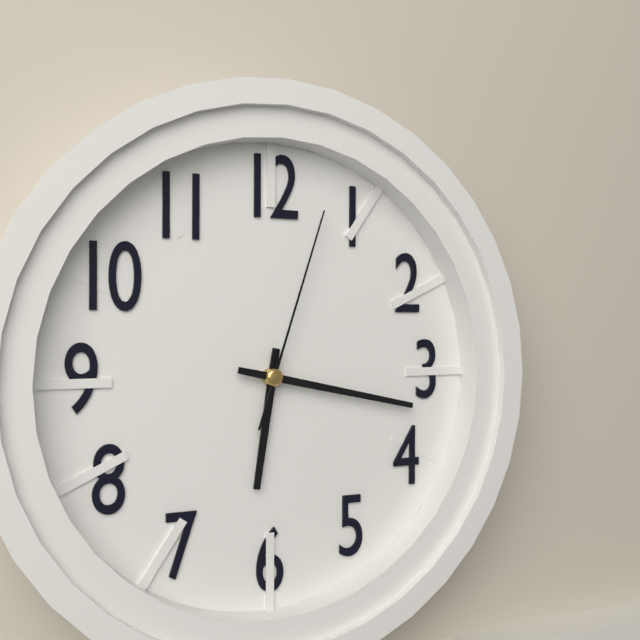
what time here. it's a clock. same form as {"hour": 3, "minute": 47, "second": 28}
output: {"hour": 6, "minute": 17, "second": 3}
